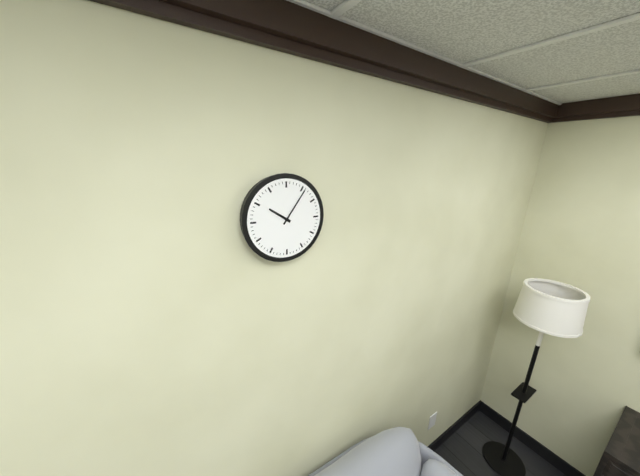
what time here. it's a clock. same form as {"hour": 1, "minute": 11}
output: {"hour": 10, "minute": 6}
